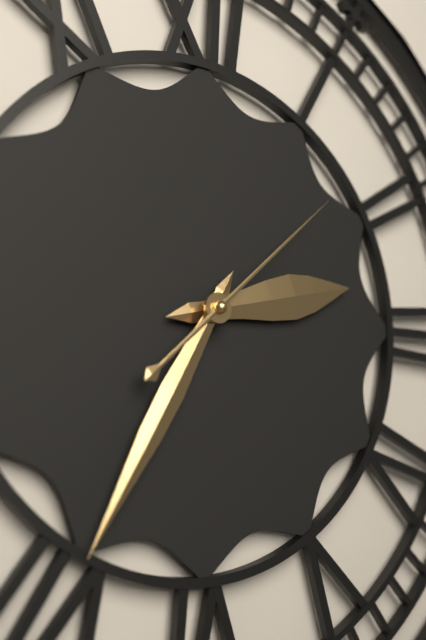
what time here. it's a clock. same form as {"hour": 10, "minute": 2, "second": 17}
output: {"hour": 2, "minute": 35, "second": 8}
